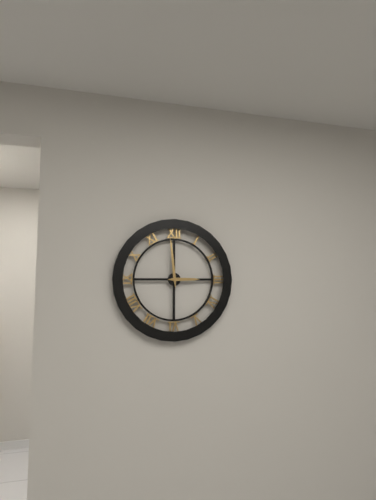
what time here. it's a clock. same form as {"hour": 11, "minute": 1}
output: {"hour": 2, "minute": 59}
